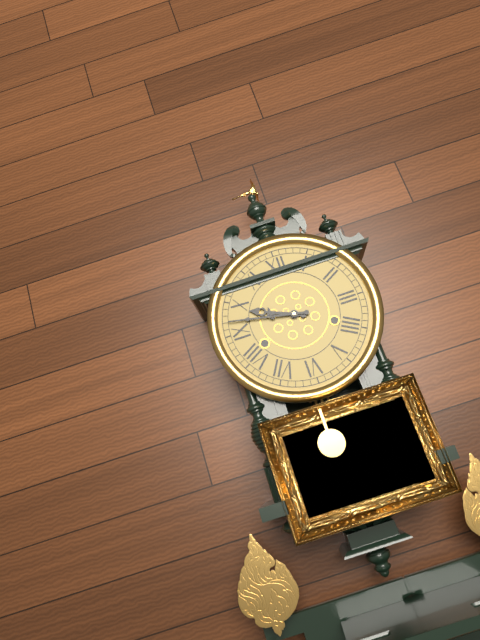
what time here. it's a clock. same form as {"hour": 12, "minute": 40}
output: {"hour": 9, "minute": 47}
